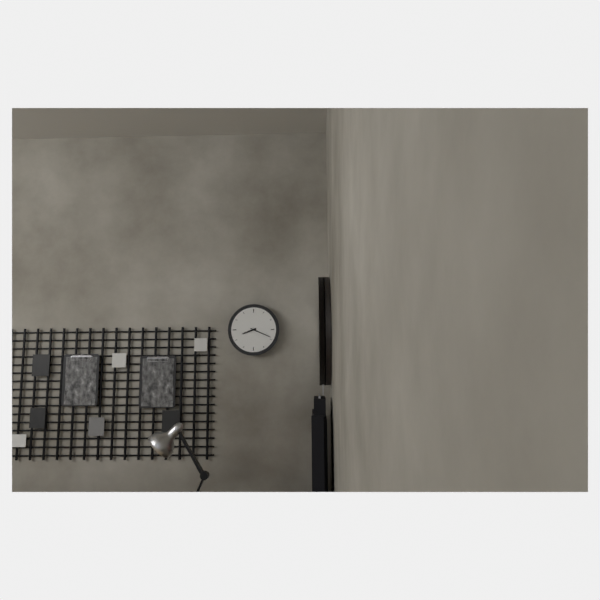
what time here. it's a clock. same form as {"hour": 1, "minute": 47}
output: {"hour": 8, "minute": 19}
